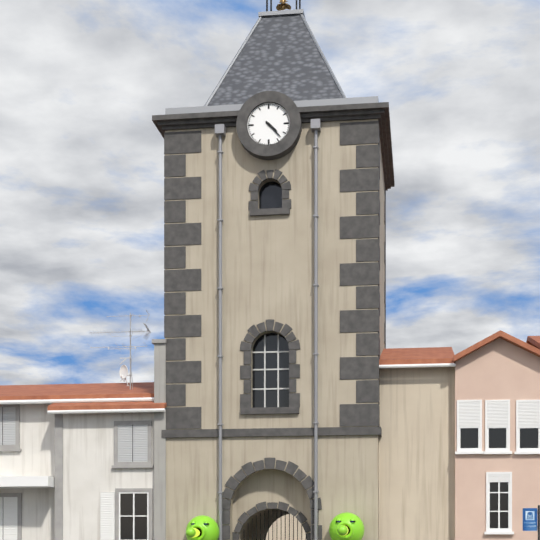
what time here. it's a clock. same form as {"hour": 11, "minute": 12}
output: {"hour": 4, "minute": 23}
